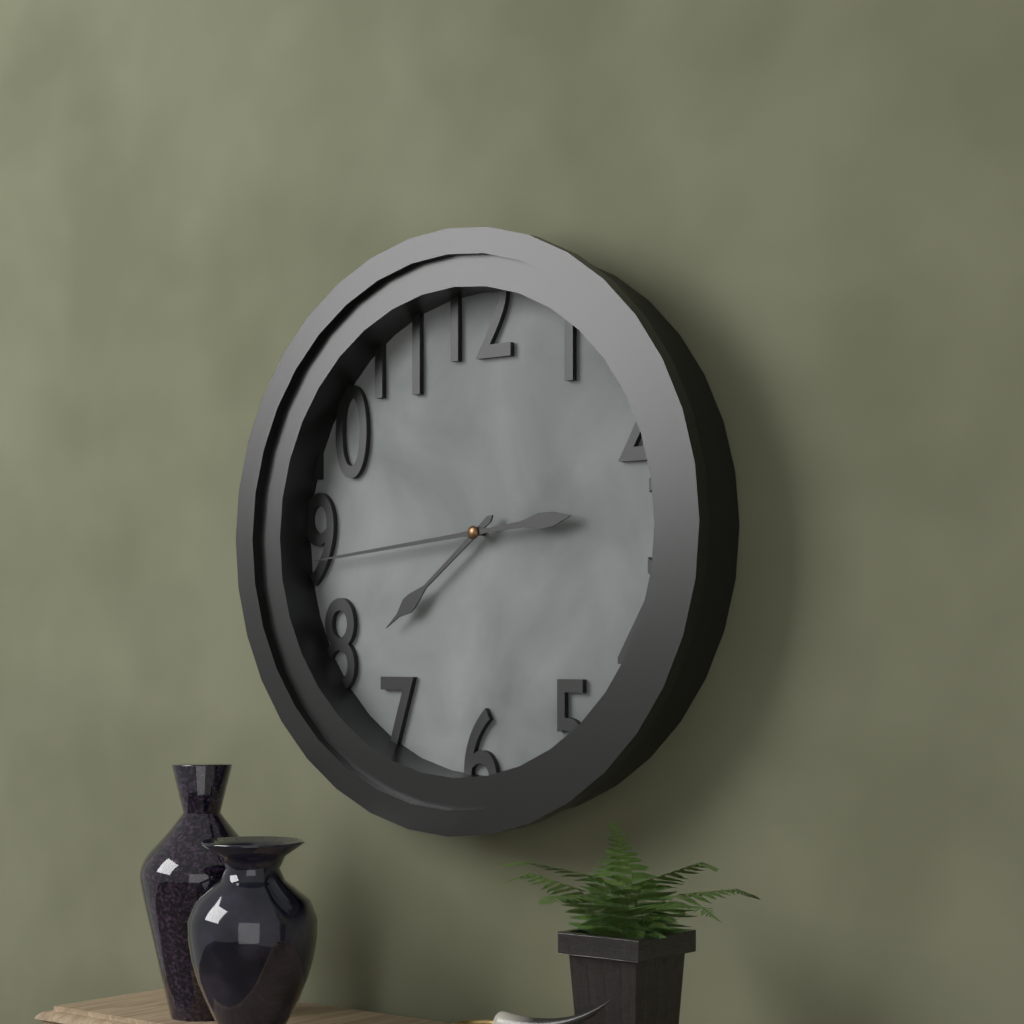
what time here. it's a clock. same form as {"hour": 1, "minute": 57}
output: {"hour": 7, "minute": 44}
